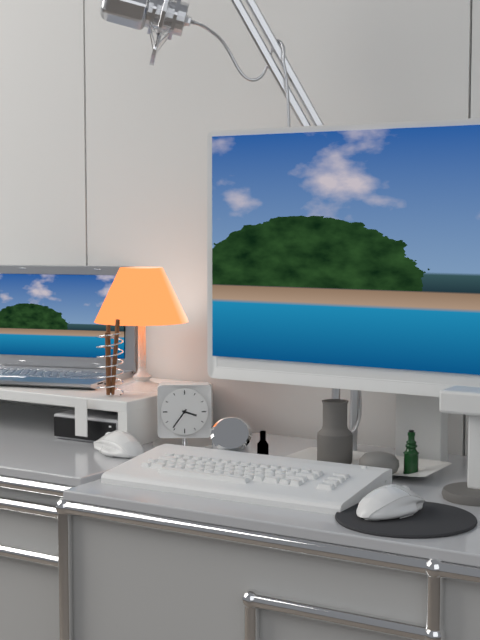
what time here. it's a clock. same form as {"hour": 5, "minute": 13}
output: {"hour": 3, "minute": 36}
